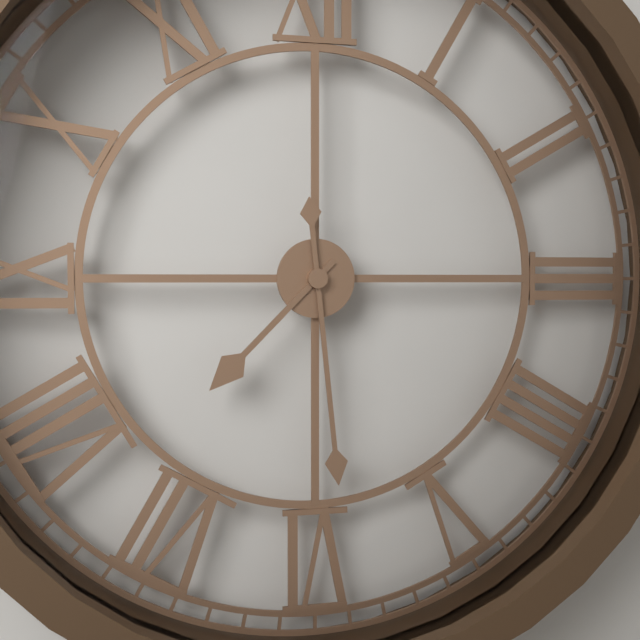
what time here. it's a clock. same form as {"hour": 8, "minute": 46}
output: {"hour": 7, "minute": 29}
